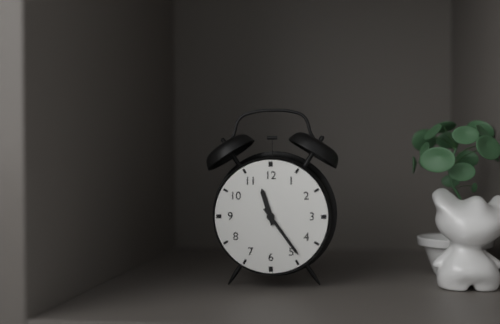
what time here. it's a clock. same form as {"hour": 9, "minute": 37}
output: {"hour": 11, "minute": 24}
